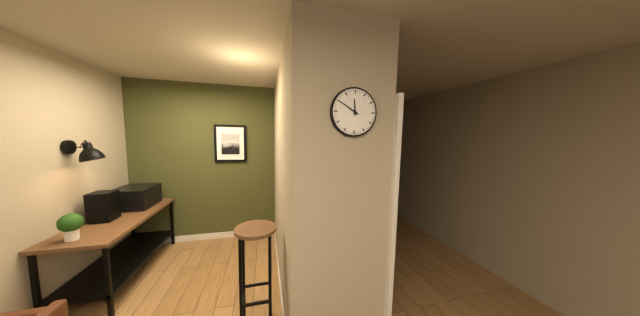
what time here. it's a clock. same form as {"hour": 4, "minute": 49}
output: {"hour": 11, "minute": 50}
